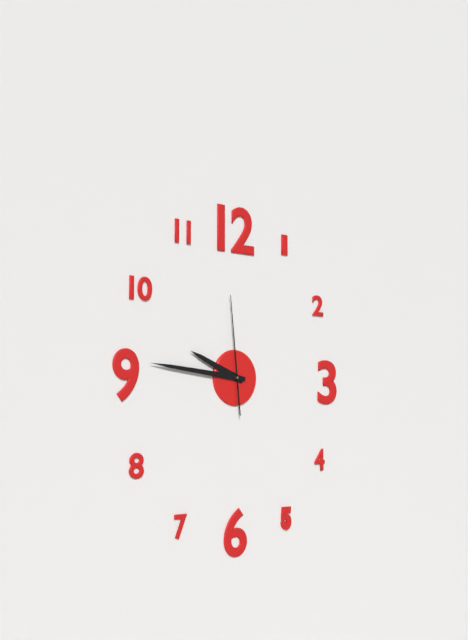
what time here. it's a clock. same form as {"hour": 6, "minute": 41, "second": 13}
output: {"hour": 9, "minute": 46, "second": 59}
